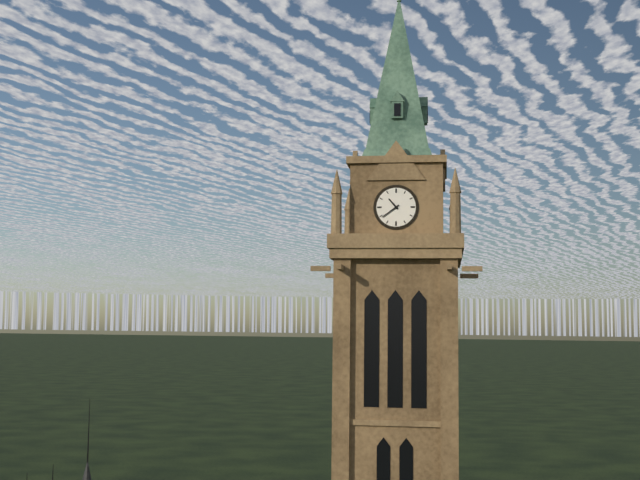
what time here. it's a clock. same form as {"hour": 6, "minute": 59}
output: {"hour": 10, "minute": 39}
